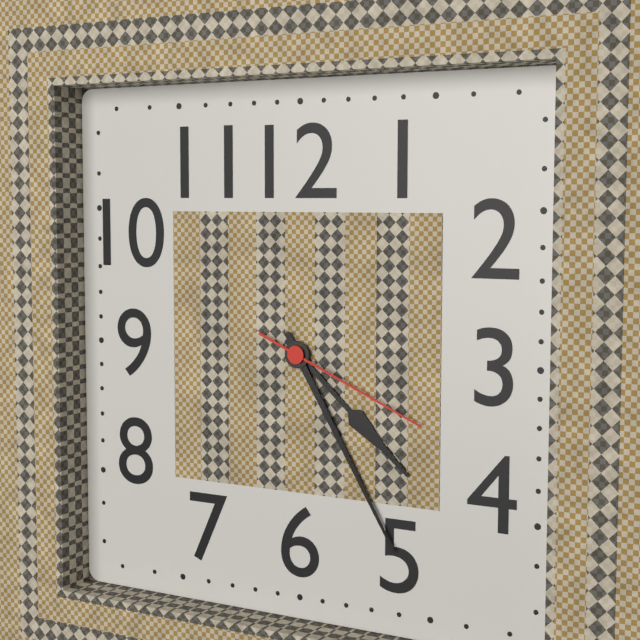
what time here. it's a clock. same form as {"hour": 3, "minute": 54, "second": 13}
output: {"hour": 4, "minute": 25, "second": 19}
